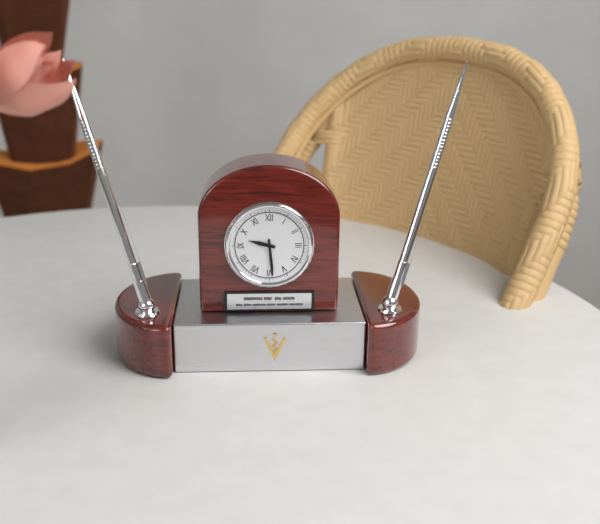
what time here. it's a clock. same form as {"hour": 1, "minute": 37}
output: {"hour": 9, "minute": 29}
